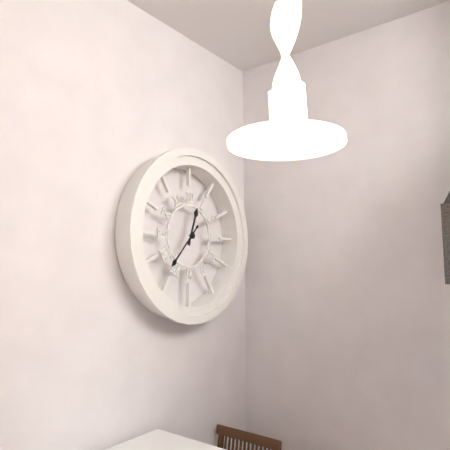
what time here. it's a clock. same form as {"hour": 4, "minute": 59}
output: {"hour": 12, "minute": 37}
